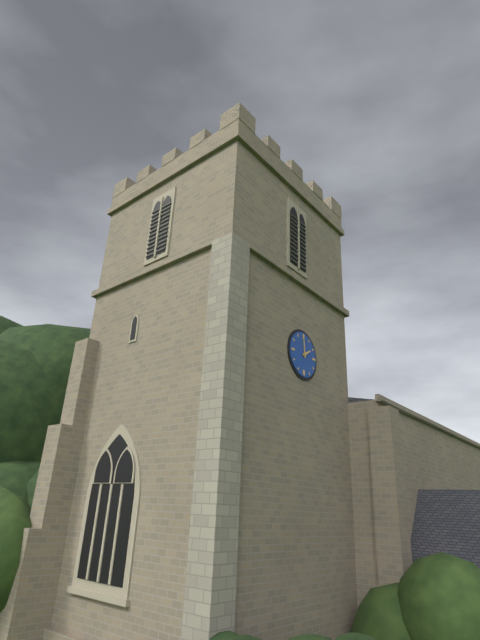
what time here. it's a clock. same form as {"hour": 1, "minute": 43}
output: {"hour": 1, "minute": 59}
